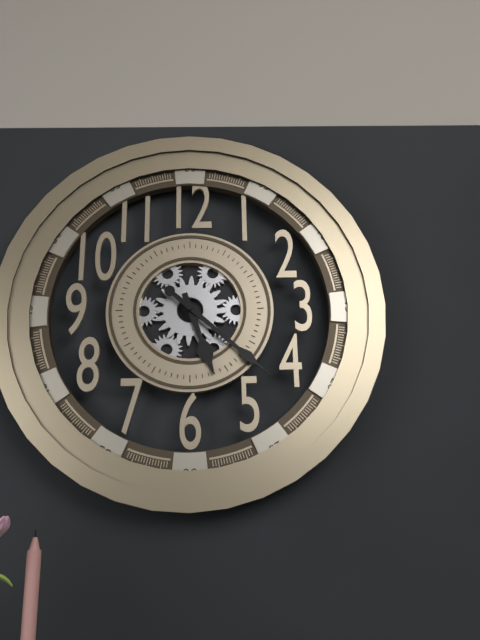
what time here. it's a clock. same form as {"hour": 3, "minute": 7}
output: {"hour": 5, "minute": 22}
